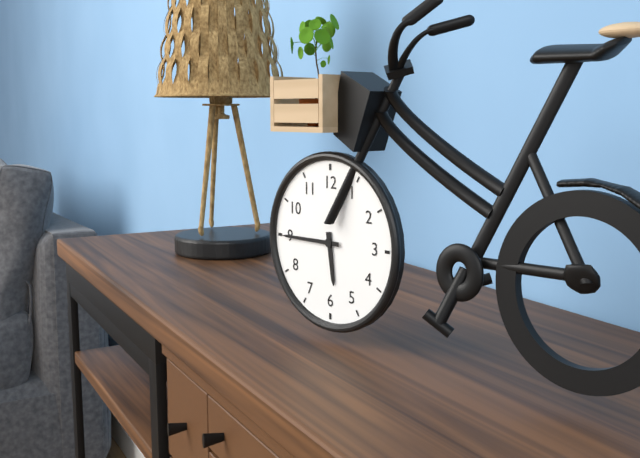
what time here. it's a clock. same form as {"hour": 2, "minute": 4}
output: {"hour": 5, "minute": 45}
